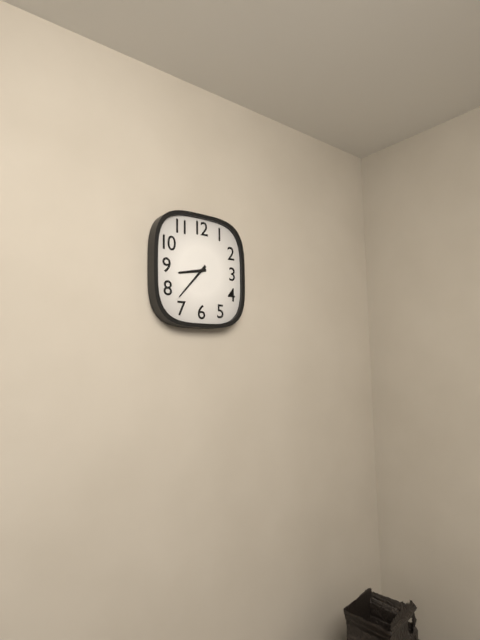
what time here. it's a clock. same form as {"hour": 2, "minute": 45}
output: {"hour": 8, "minute": 37}
